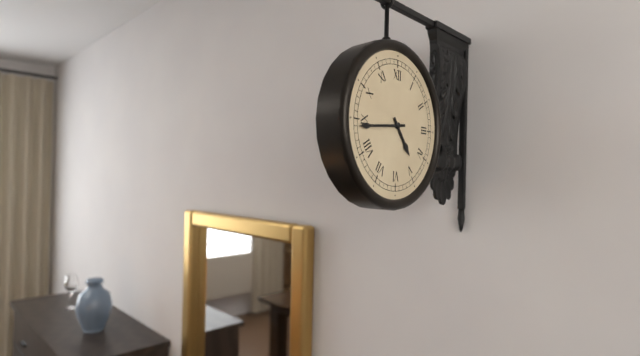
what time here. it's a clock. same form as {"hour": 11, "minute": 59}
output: {"hour": 4, "minute": 44}
